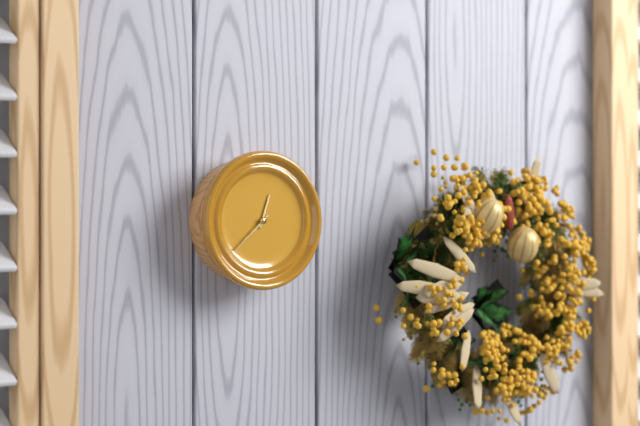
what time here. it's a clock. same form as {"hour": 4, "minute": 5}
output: {"hour": 12, "minute": 38}
